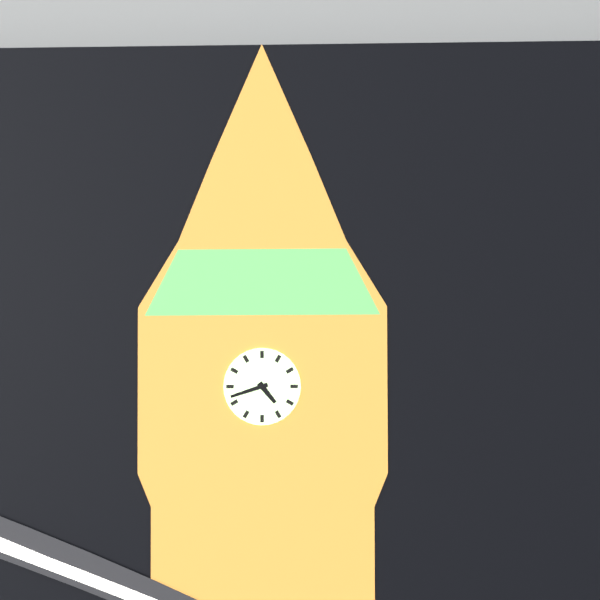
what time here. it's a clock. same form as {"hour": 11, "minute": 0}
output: {"hour": 4, "minute": 42}
